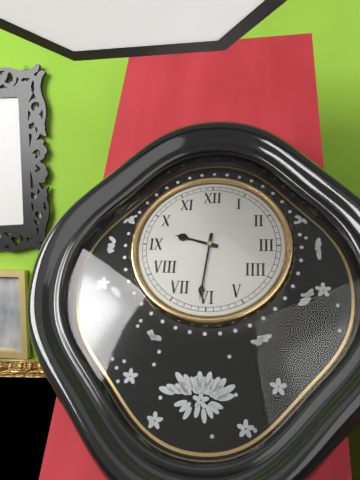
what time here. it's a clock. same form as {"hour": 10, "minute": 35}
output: {"hour": 9, "minute": 31}
